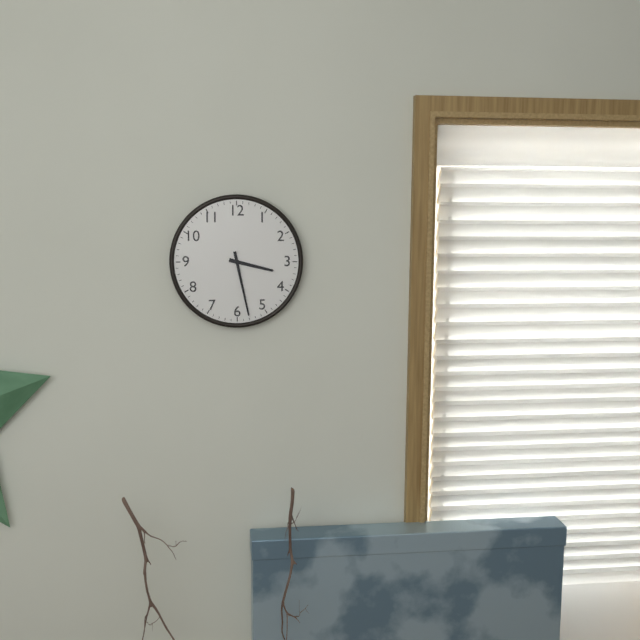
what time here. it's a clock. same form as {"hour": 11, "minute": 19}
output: {"hour": 3, "minute": 28}
